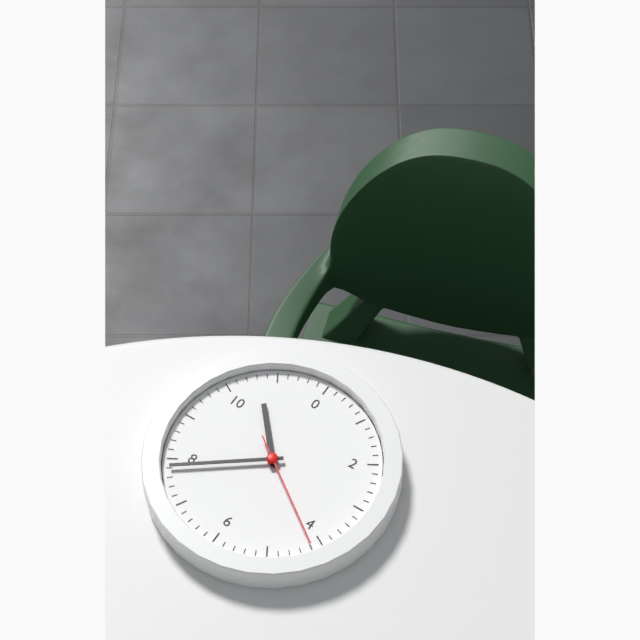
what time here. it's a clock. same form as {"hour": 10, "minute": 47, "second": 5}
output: {"hour": 10, "minute": 39, "second": 21}
